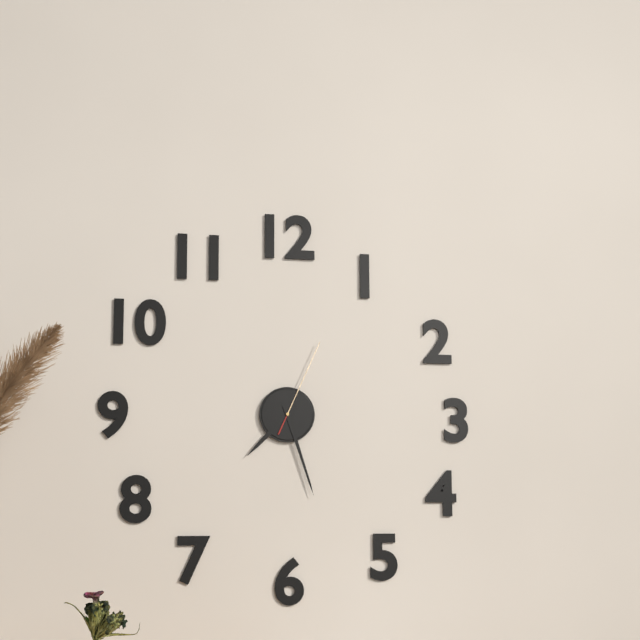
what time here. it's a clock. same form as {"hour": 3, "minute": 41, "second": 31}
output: {"hour": 7, "minute": 27, "second": 4}
